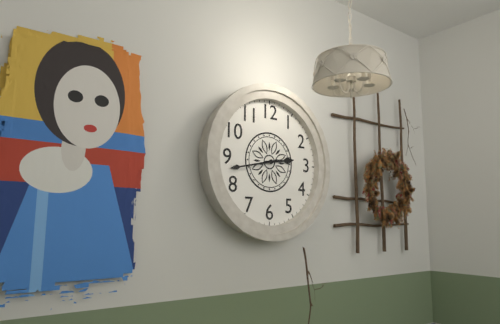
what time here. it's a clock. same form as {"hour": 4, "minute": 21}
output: {"hour": 2, "minute": 43}
